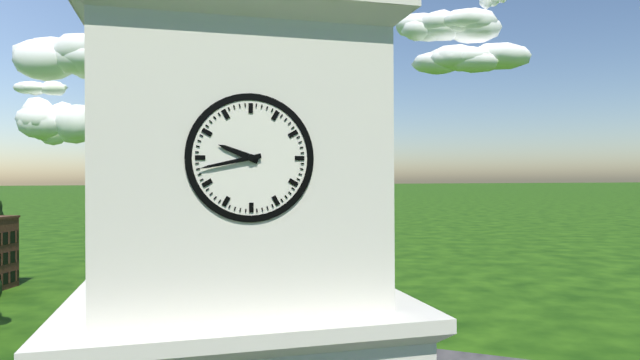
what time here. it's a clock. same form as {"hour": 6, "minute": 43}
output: {"hour": 9, "minute": 43}
